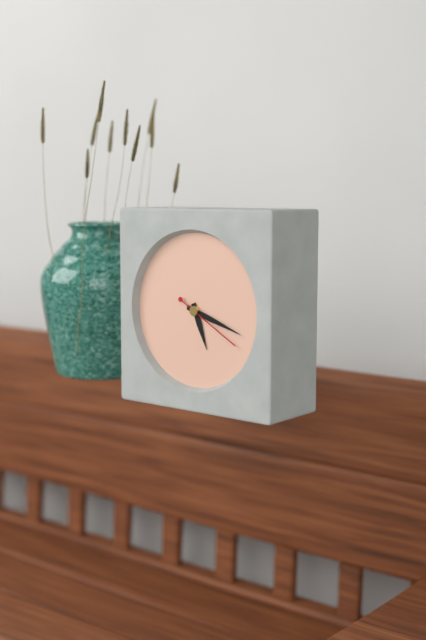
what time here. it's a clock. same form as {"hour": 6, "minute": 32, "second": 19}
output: {"hour": 5, "minute": 18, "second": 20}
